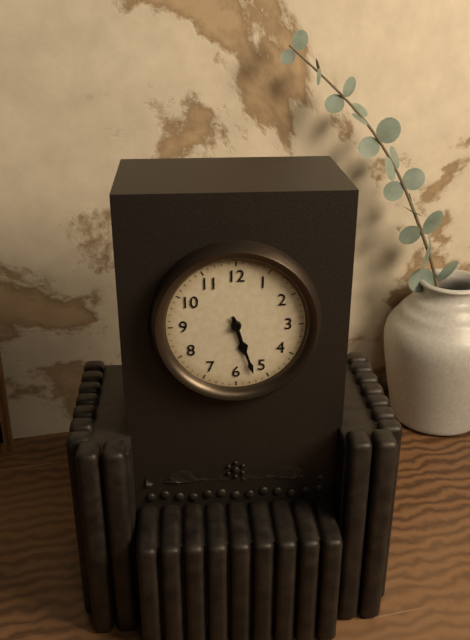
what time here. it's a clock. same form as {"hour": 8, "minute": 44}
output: {"hour": 5, "minute": 27}
